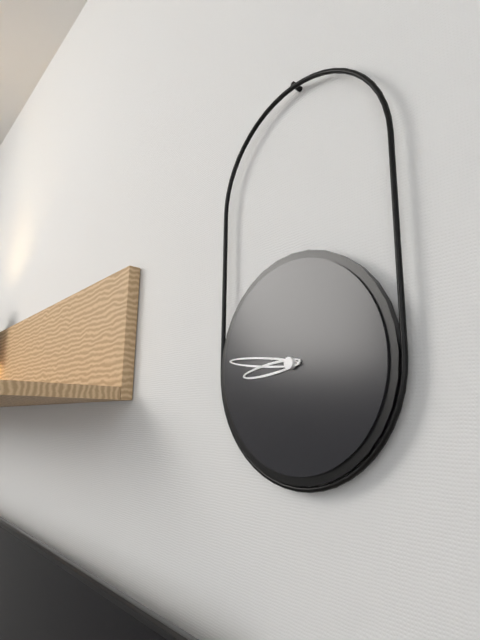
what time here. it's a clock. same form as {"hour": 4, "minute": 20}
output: {"hour": 8, "minute": 46}
